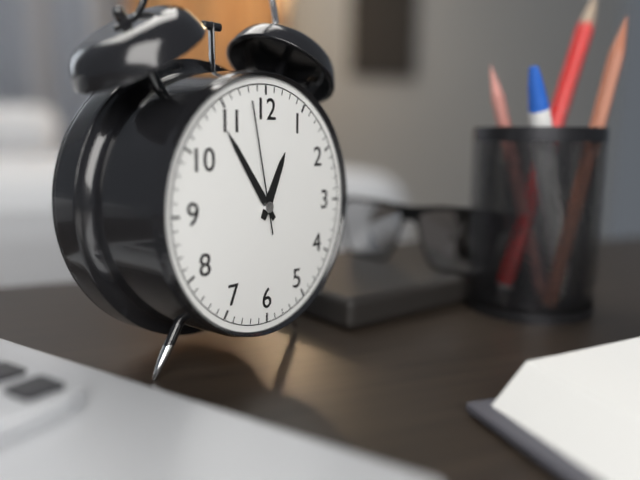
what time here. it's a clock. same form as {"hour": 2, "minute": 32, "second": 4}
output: {"hour": 12, "minute": 54, "second": 58}
